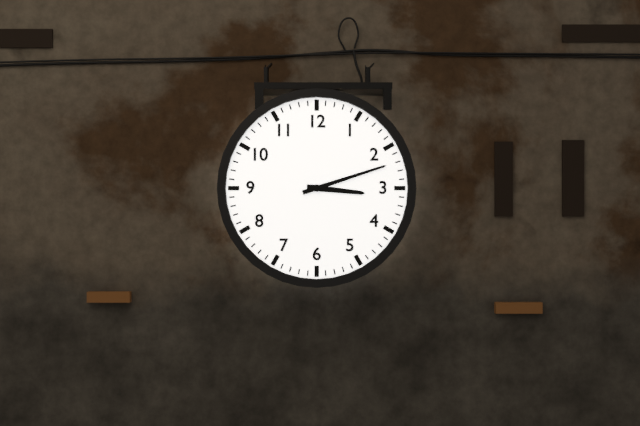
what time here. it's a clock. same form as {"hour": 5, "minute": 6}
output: {"hour": 3, "minute": 12}
